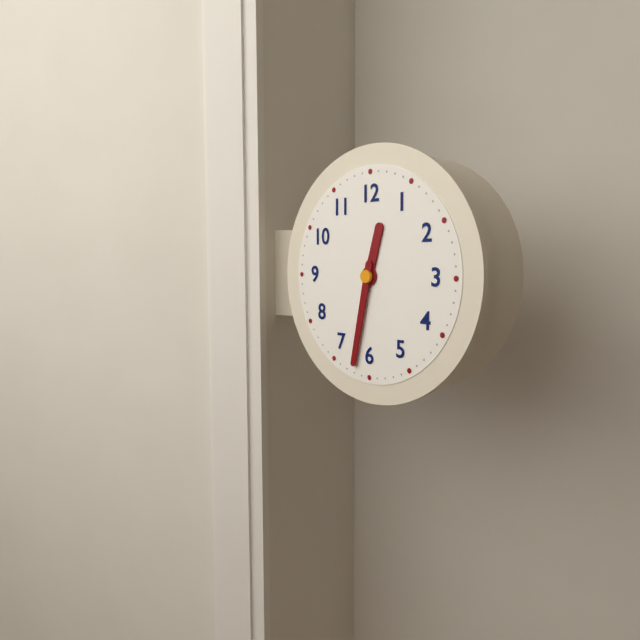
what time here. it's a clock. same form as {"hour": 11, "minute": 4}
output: {"hour": 12, "minute": 32}
